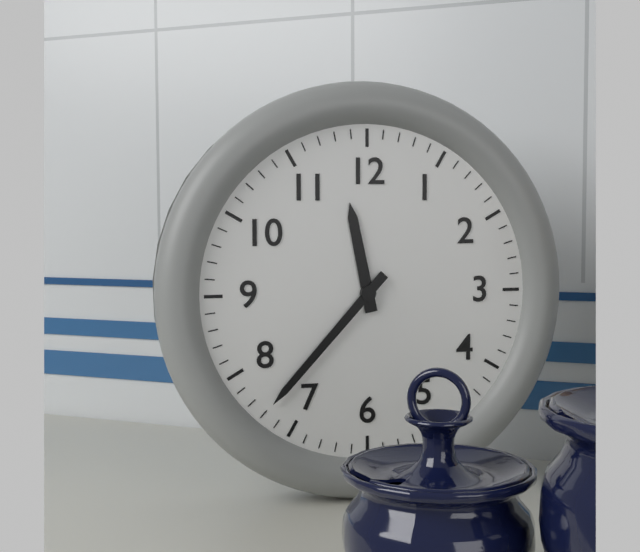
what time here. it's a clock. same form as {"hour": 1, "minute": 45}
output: {"hour": 11, "minute": 37}
